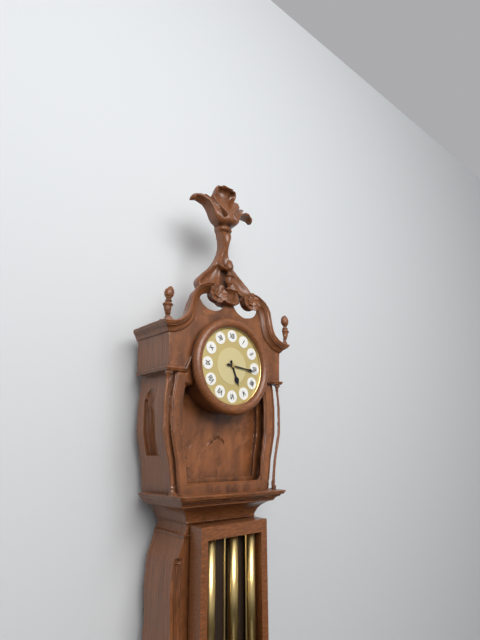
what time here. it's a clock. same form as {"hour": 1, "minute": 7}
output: {"hour": 5, "minute": 16}
